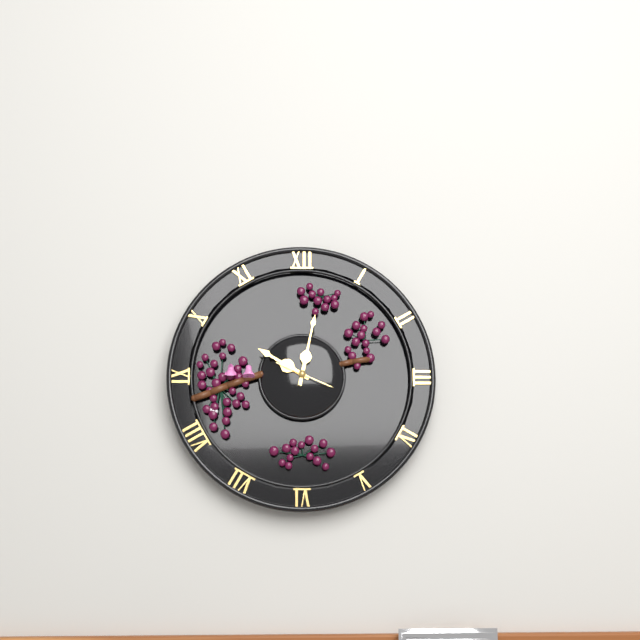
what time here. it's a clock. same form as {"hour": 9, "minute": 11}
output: {"hour": 10, "minute": 2}
